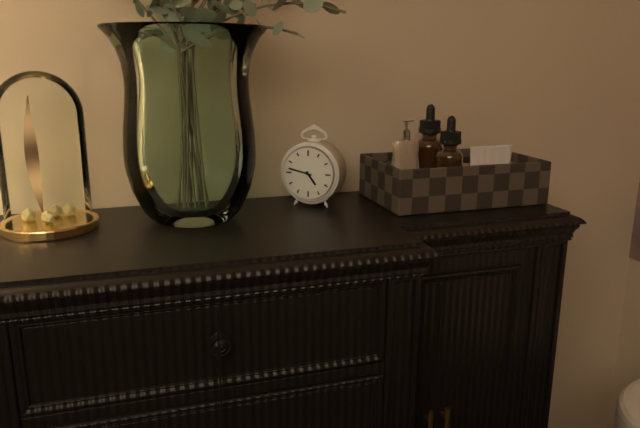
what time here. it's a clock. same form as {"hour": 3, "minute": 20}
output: {"hour": 4, "minute": 47}
